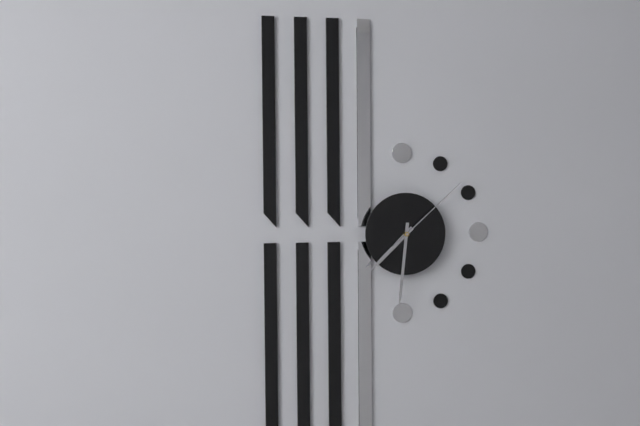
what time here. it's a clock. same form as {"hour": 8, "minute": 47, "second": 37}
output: {"hour": 7, "minute": 31, "second": 8}
